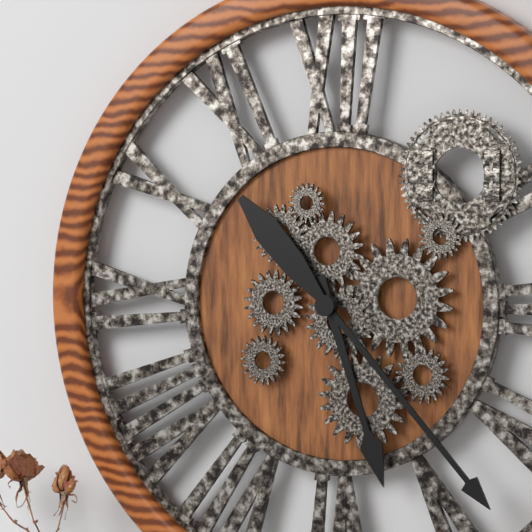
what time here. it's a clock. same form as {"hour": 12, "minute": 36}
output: {"hour": 5, "minute": 23}
